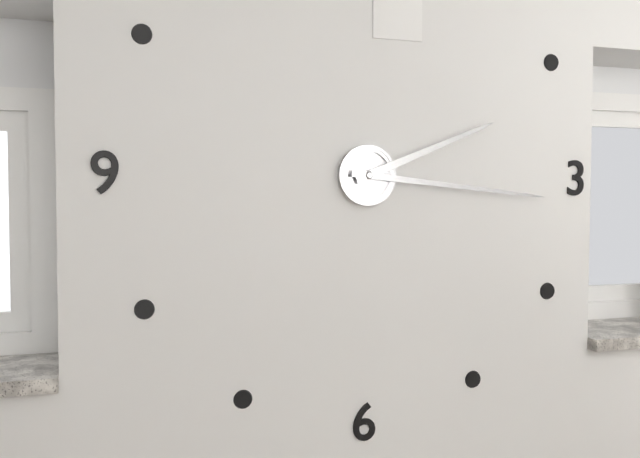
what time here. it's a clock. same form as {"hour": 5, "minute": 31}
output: {"hour": 2, "minute": 16}
